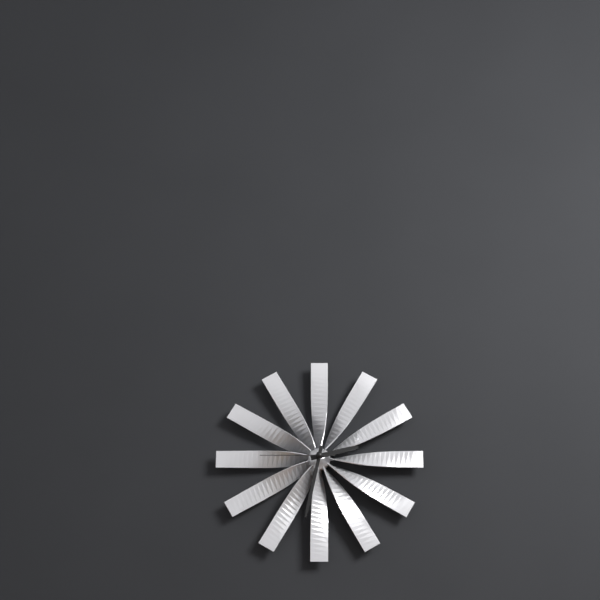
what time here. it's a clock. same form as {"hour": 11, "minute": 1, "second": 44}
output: {"hour": 2, "minute": 32, "second": 45}
